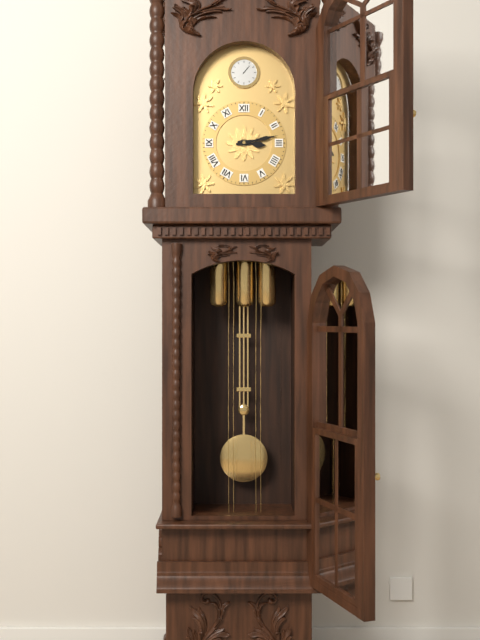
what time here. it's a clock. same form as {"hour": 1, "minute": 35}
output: {"hour": 3, "minute": 13}
